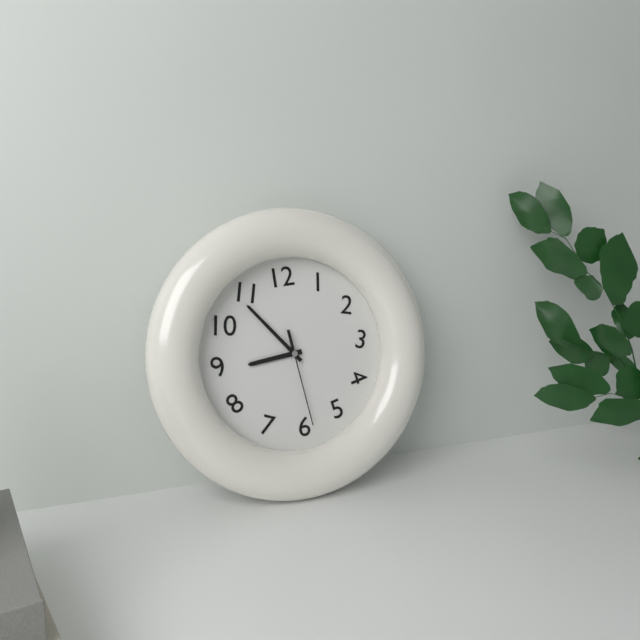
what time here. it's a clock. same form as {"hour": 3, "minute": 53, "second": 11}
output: {"hour": 8, "minute": 54, "second": 29}
